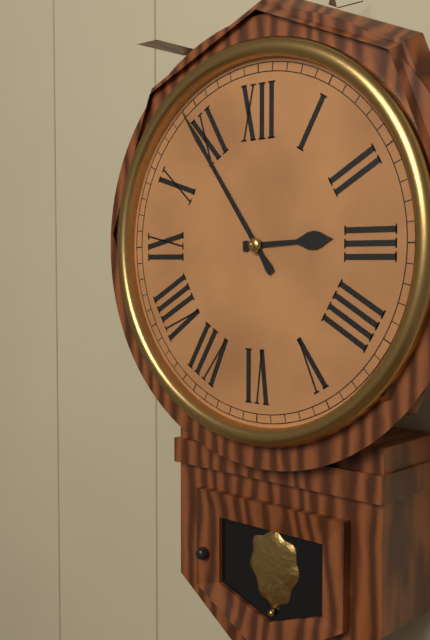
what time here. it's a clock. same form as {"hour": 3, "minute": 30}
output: {"hour": 2, "minute": 54}
